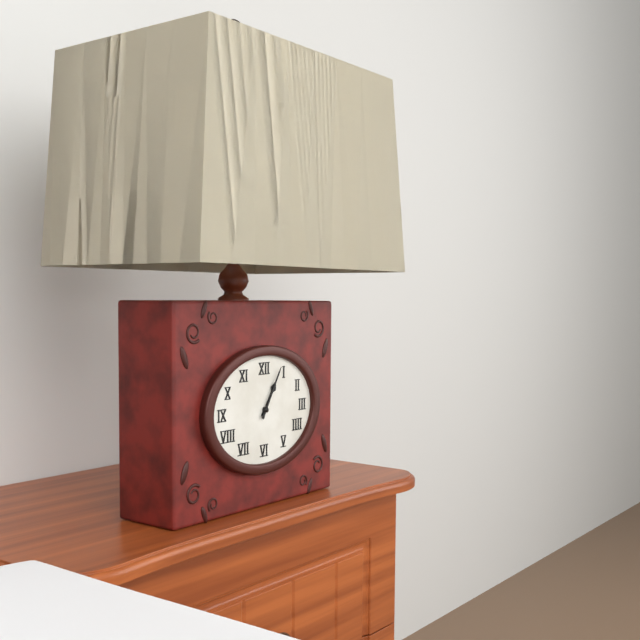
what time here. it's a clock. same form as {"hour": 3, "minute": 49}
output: {"hour": 1, "minute": 5}
